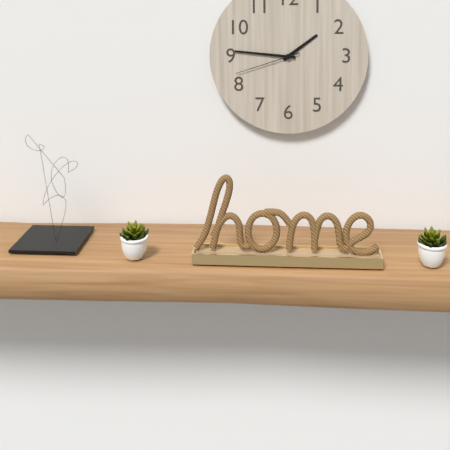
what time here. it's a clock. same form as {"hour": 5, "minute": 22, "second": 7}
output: {"hour": 1, "minute": 46, "second": 42}
